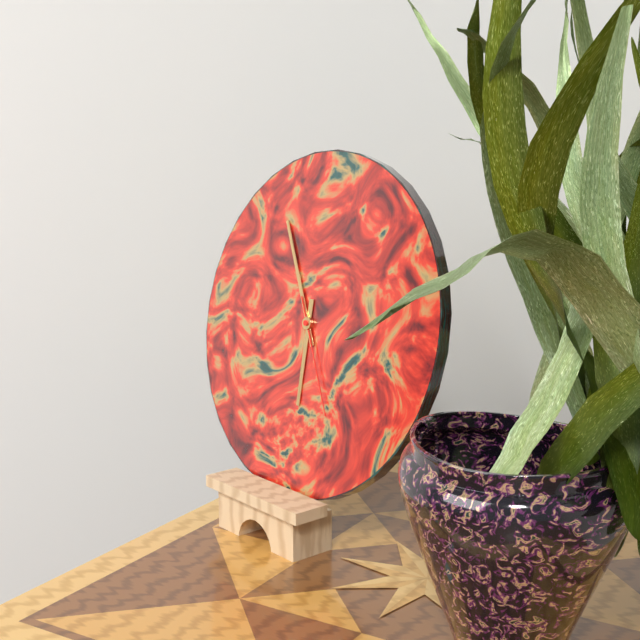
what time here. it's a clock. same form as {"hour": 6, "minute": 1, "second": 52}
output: {"hour": 5, "minute": 55, "second": 25}
